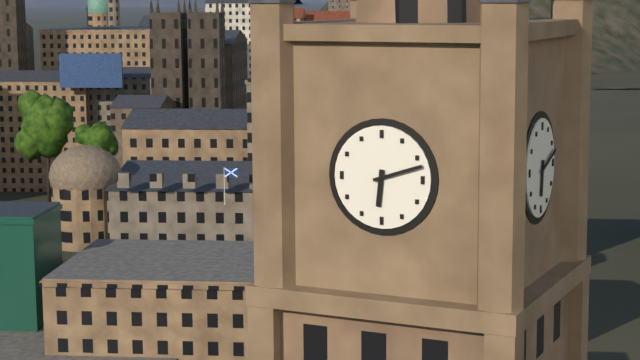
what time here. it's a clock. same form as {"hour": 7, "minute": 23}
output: {"hour": 6, "minute": 12}
